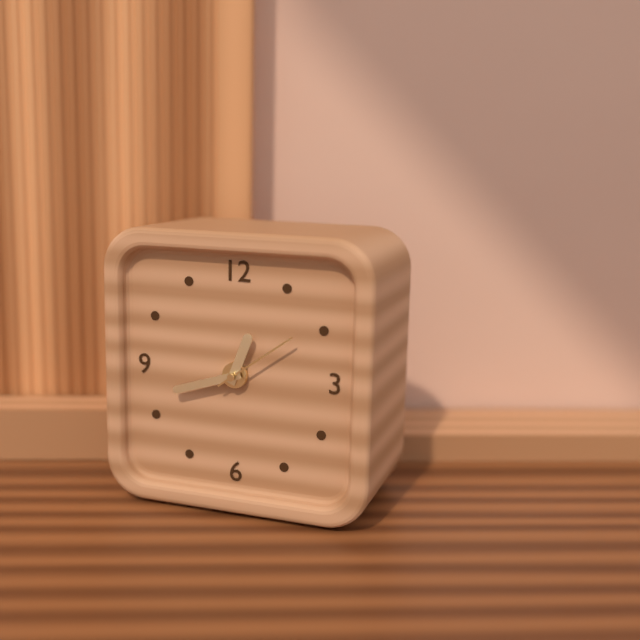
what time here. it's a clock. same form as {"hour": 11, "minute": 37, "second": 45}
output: {"hour": 12, "minute": 42, "second": 9}
